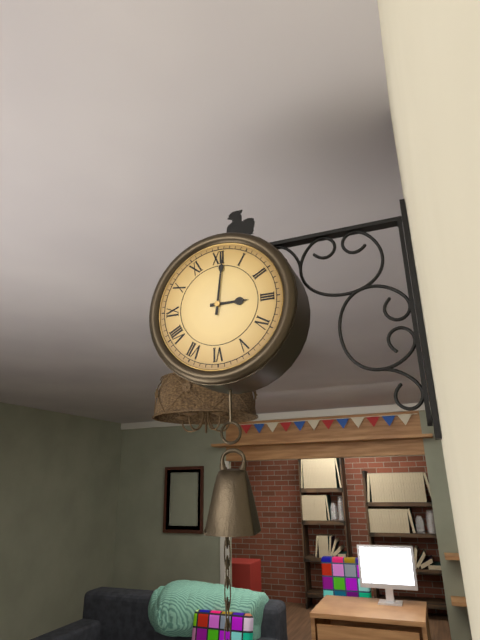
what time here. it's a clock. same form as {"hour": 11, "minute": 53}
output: {"hour": 3, "minute": 1}
